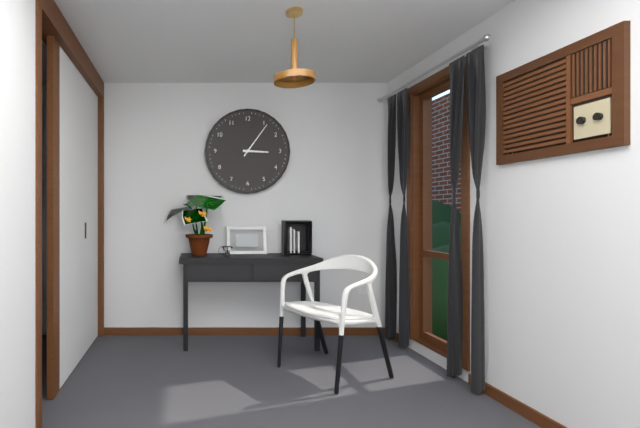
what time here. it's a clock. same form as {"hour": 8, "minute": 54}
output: {"hour": 3, "minute": 6}
